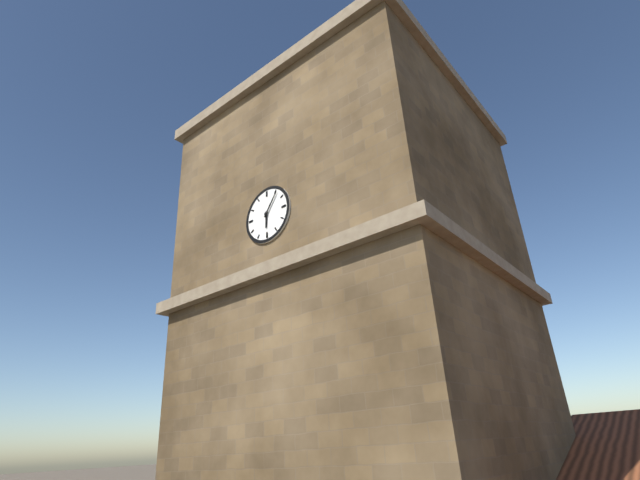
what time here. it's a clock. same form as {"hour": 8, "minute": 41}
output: {"hour": 6, "minute": 6}
